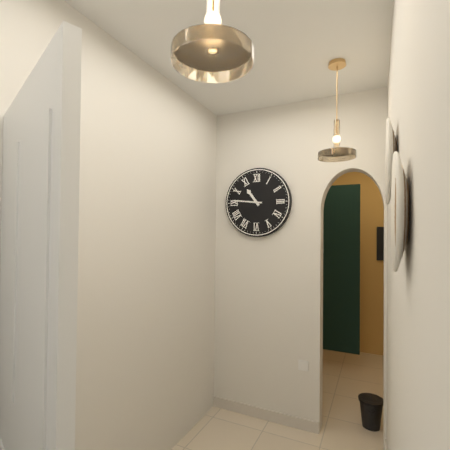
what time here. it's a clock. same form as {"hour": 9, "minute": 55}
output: {"hour": 10, "minute": 46}
